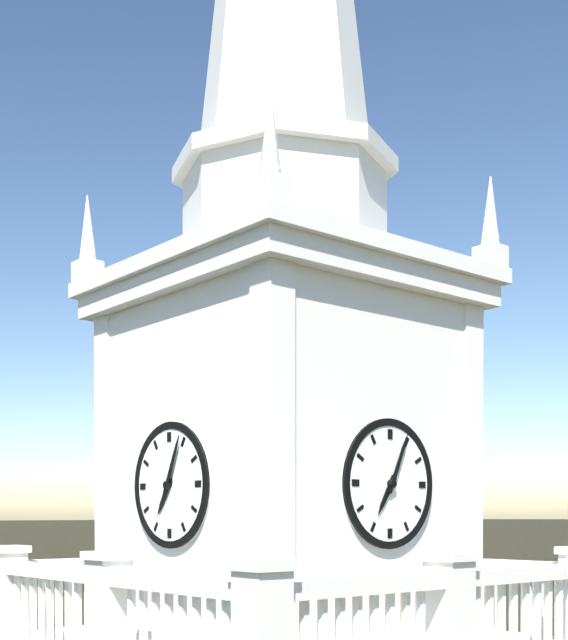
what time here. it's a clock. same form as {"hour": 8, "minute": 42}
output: {"hour": 7, "minute": 4}
